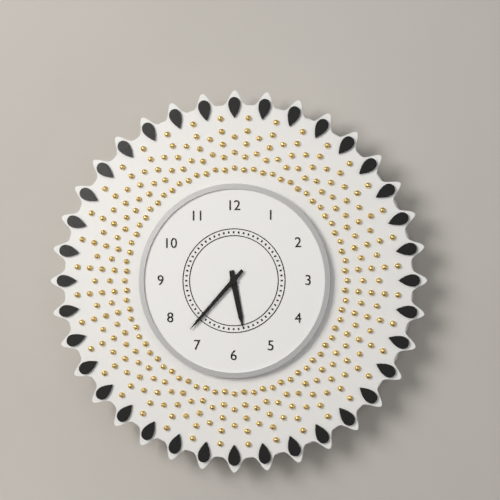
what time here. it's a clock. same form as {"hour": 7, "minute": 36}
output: {"hour": 5, "minute": 37}
